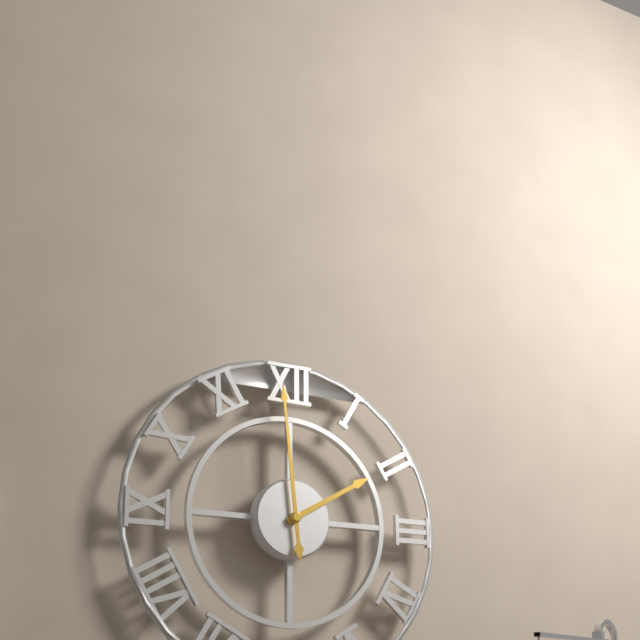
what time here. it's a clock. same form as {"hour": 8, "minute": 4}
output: {"hour": 1, "minute": 59}
